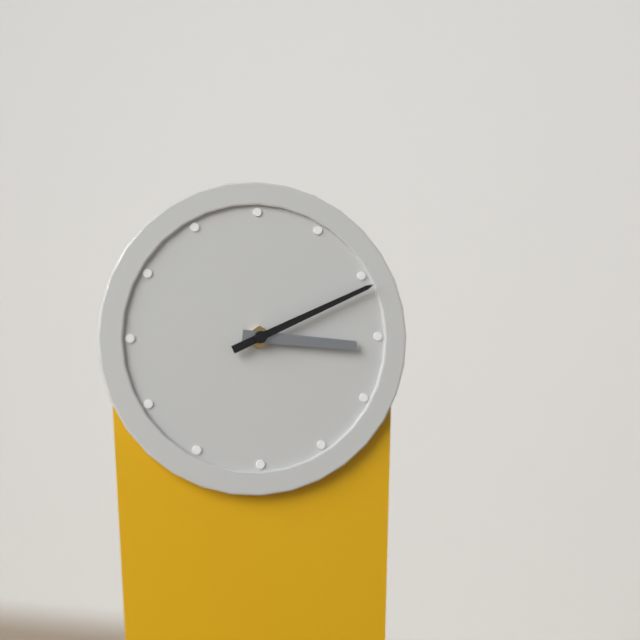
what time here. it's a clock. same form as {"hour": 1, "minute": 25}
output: {"hour": 3, "minute": 11}
